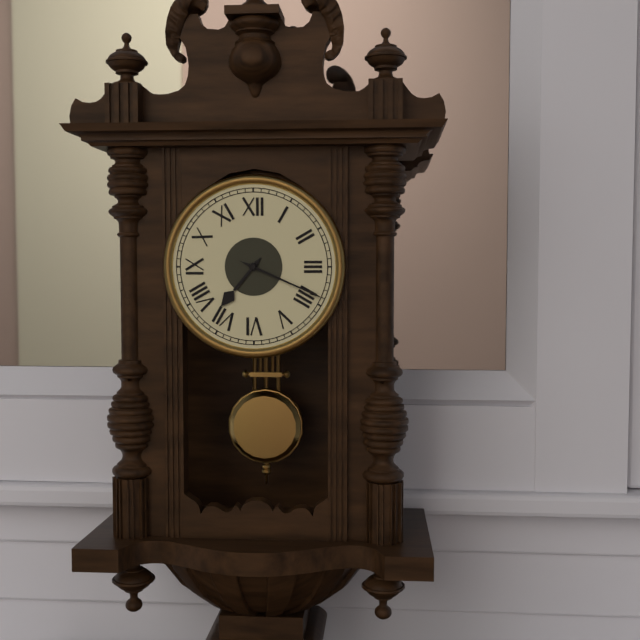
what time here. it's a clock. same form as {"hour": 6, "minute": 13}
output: {"hour": 7, "minute": 19}
